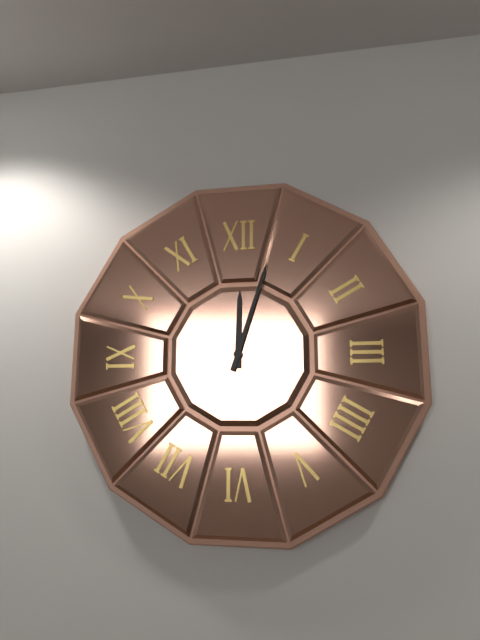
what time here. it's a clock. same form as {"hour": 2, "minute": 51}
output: {"hour": 12, "minute": 3}
